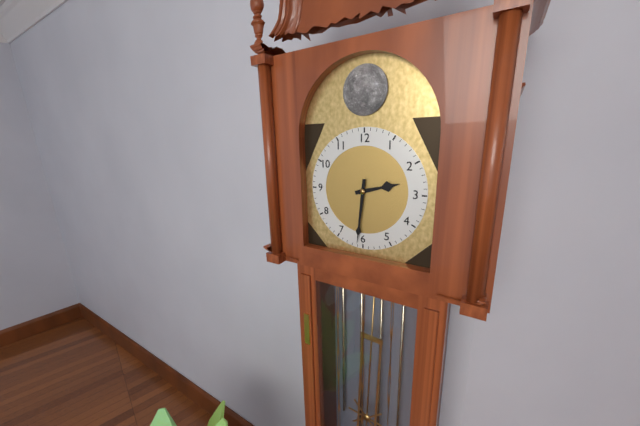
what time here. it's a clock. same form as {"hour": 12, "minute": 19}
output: {"hour": 2, "minute": 31}
